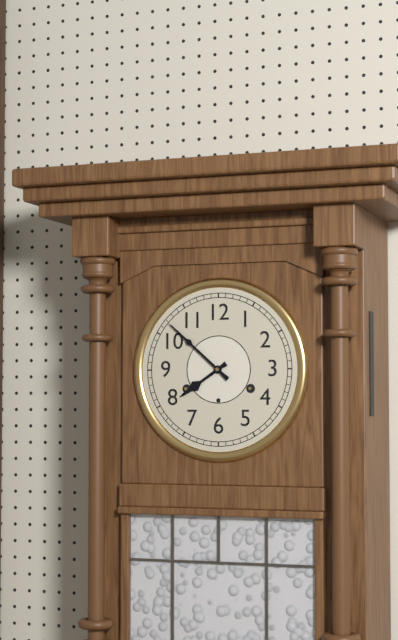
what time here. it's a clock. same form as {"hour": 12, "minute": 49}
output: {"hour": 7, "minute": 52}
